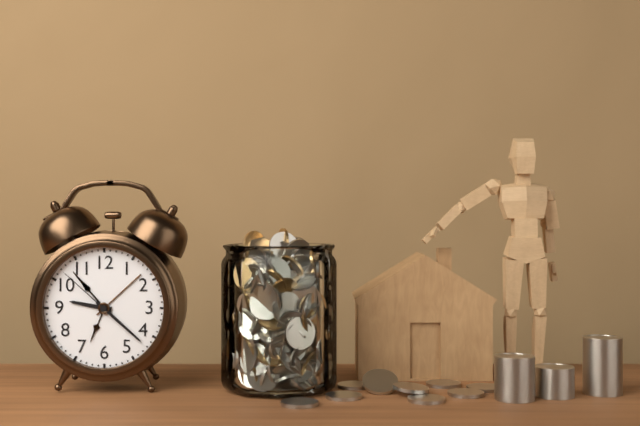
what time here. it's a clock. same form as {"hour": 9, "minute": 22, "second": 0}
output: {"hour": 9, "minute": 22, "second": 52}
